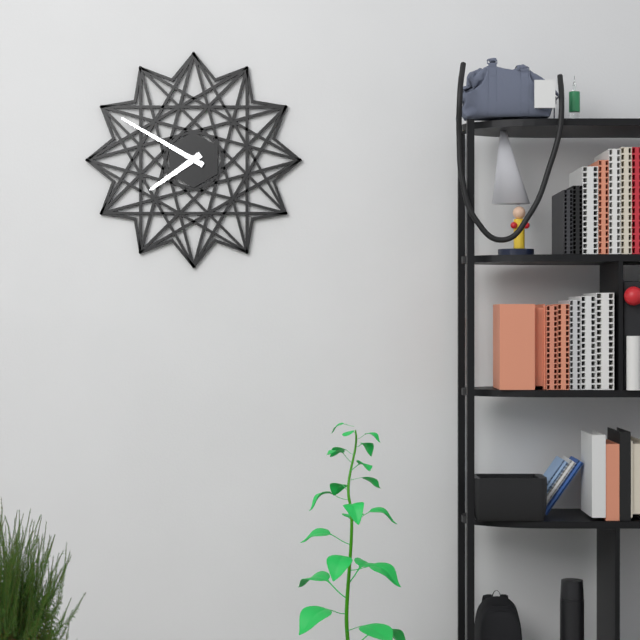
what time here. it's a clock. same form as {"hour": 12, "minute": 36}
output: {"hour": 7, "minute": 50}
